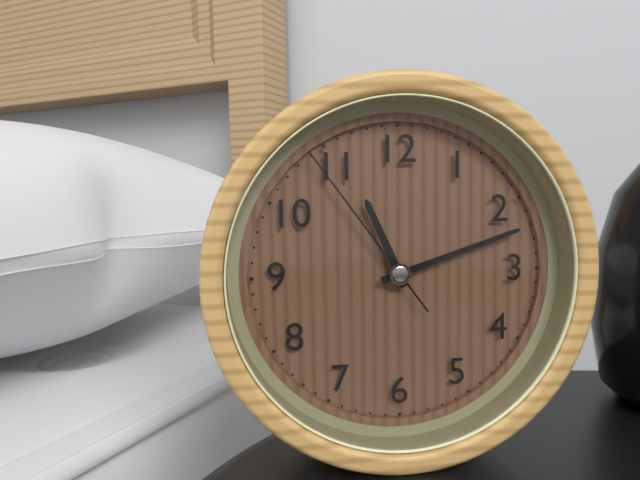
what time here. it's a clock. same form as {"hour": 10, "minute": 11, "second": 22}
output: {"hour": 11, "minute": 12, "second": 54}
